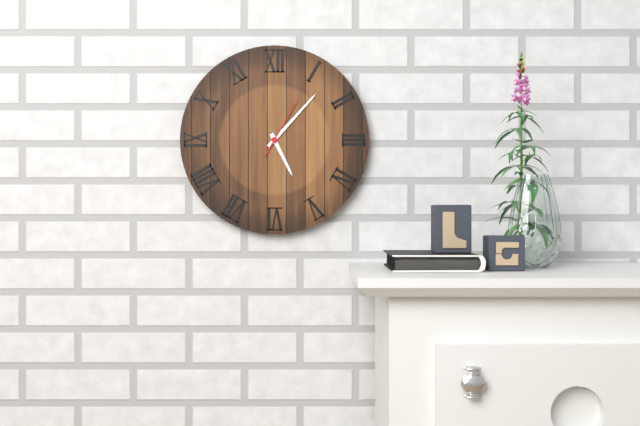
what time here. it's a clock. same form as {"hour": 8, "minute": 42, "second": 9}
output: {"hour": 5, "minute": 7, "second": 5}
